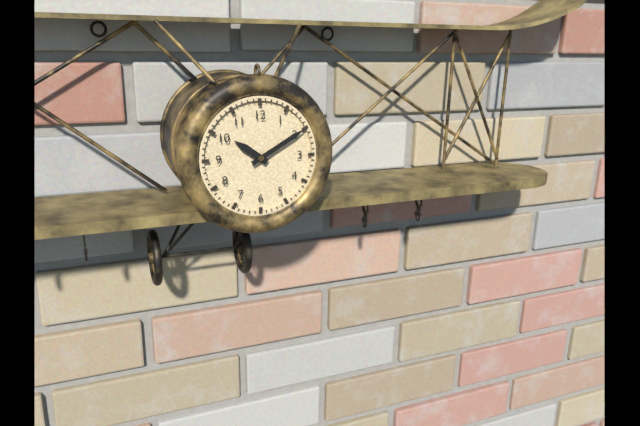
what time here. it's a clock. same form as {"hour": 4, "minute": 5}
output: {"hour": 10, "minute": 10}
